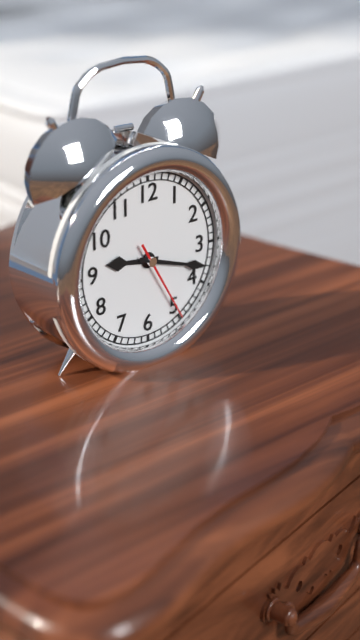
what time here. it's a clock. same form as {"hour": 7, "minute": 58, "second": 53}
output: {"hour": 9, "minute": 18, "second": 25}
